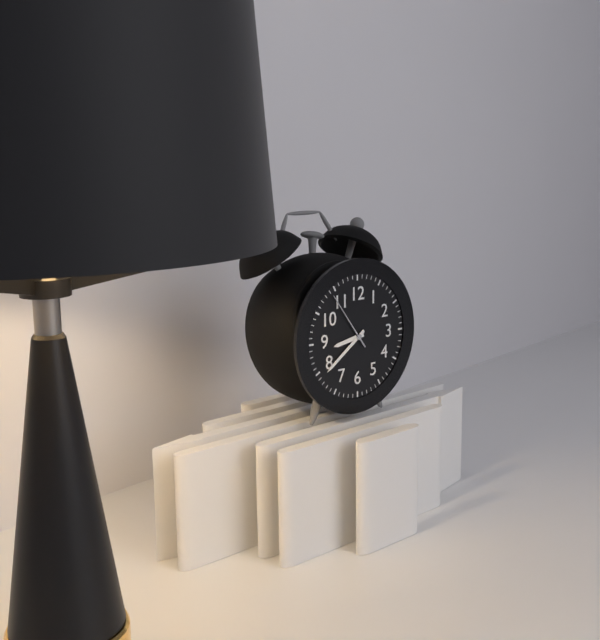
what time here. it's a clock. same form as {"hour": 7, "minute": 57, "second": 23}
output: {"hour": 8, "minute": 39, "second": 54}
